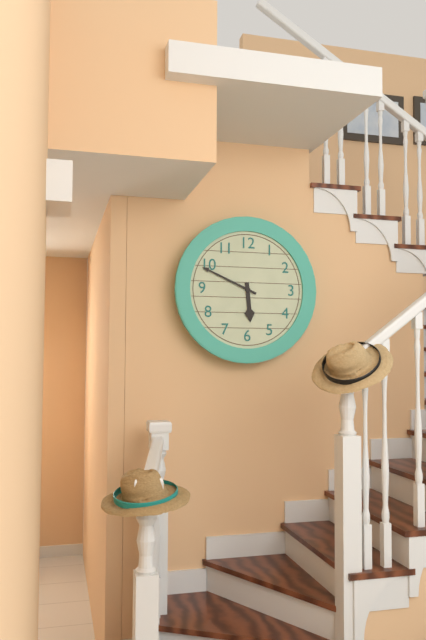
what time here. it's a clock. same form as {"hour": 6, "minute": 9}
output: {"hour": 5, "minute": 49}
